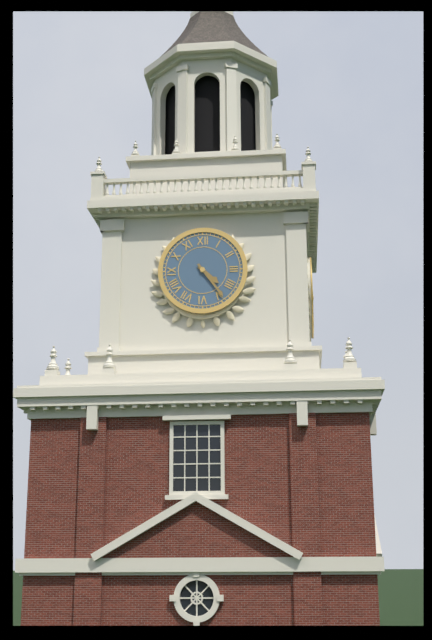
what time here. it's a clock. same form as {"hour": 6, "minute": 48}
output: {"hour": 4, "minute": 24}
